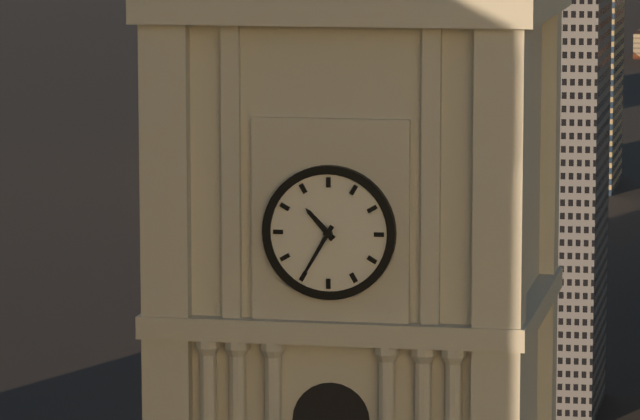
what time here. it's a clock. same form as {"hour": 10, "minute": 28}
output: {"hour": 10, "minute": 35}
